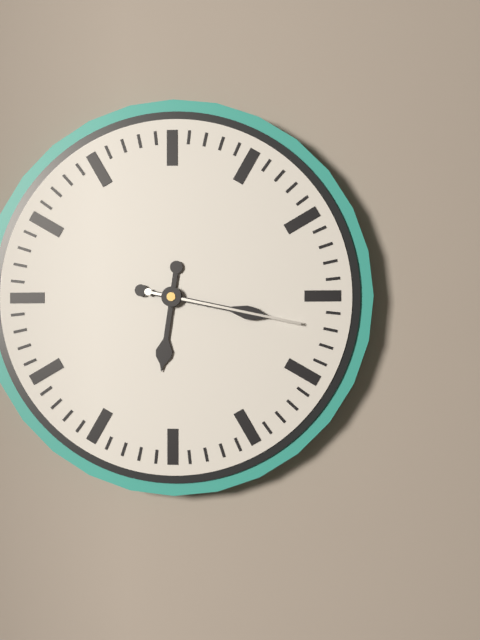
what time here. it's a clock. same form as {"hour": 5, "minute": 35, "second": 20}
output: {"hour": 6, "minute": 17, "second": 17}
